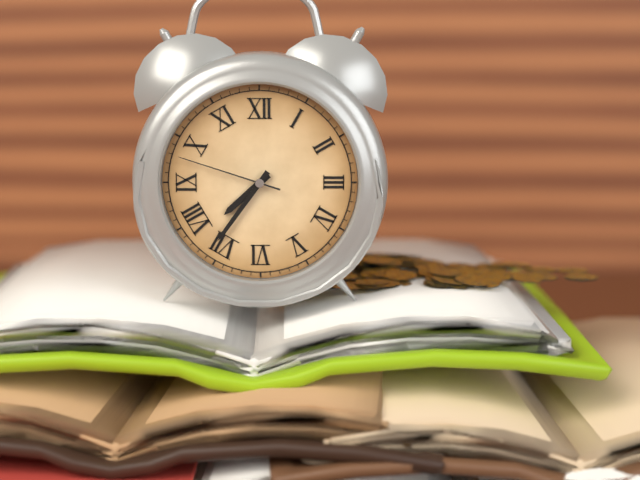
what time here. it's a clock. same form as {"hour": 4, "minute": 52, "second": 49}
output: {"hour": 7, "minute": 36, "second": 48}
